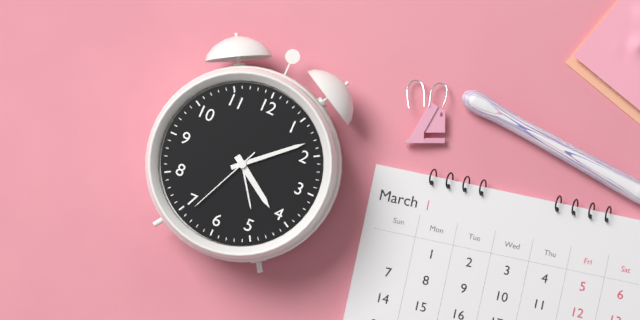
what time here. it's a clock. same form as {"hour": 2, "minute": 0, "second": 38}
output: {"hour": 4, "minute": 8, "second": 34}
